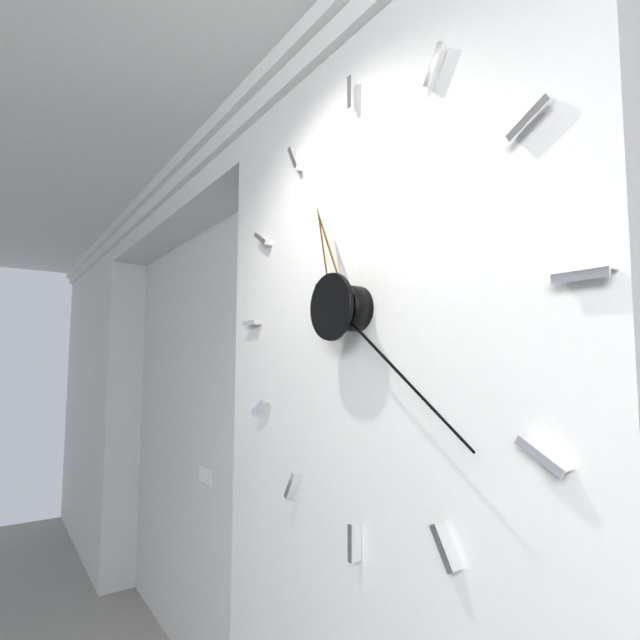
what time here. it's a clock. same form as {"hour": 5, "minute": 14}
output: {"hour": 11, "minute": 21}
